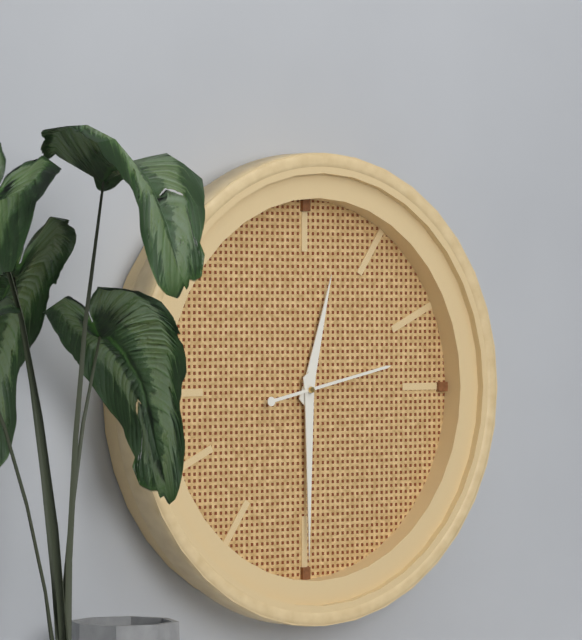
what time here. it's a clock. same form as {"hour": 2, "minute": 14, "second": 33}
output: {"hour": 12, "minute": 30, "second": 13}
